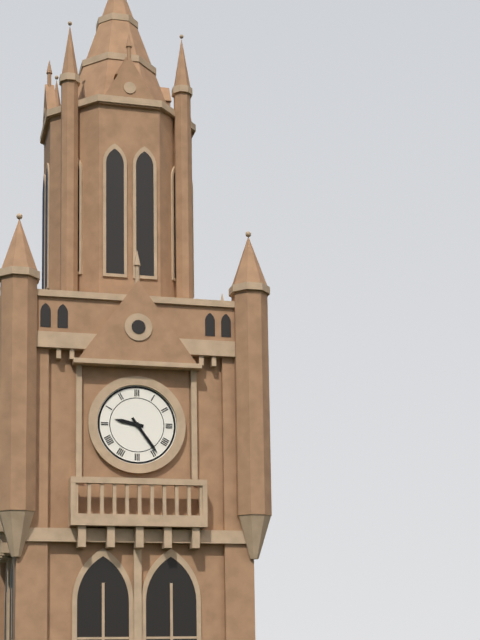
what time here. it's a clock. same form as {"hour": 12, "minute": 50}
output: {"hour": 9, "minute": 24}
